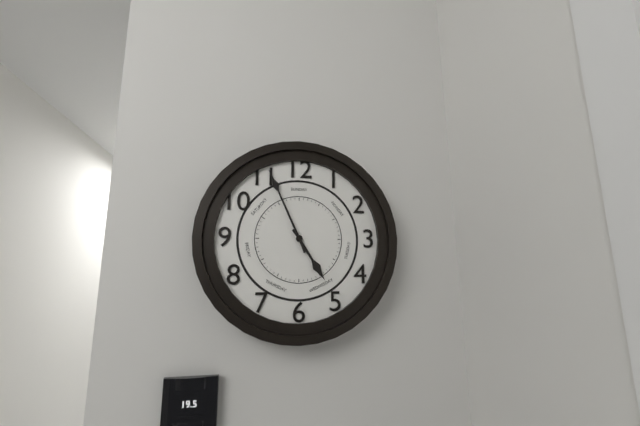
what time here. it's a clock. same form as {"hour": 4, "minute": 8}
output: {"hour": 4, "minute": 56}
